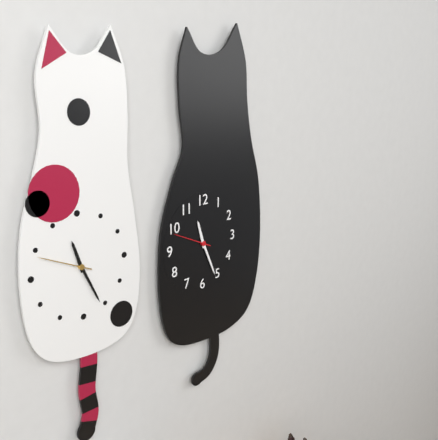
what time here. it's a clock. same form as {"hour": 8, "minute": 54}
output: {"hour": 11, "minute": 26}
